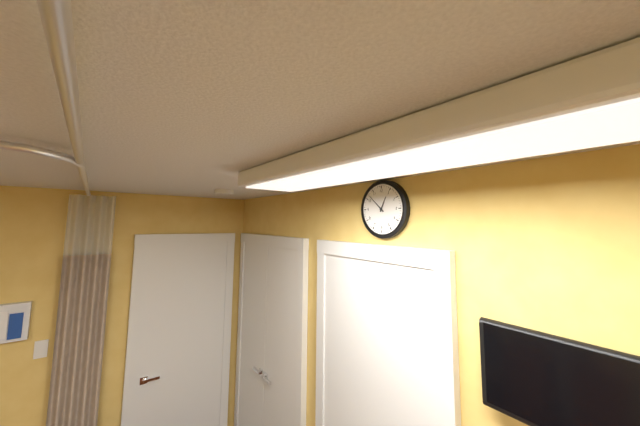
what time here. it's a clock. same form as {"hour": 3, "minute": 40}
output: {"hour": 12, "minute": 52}
